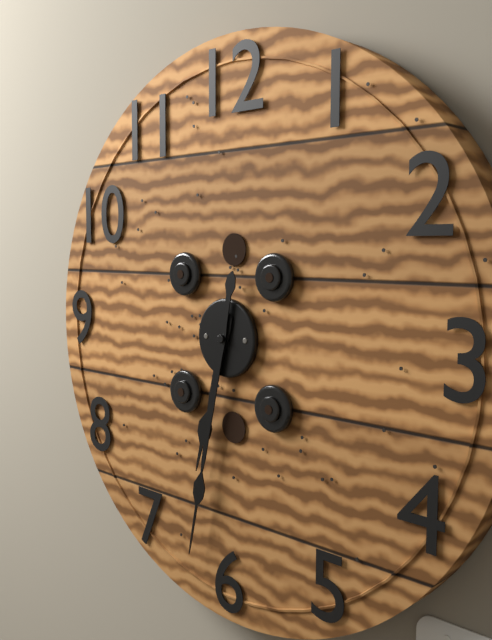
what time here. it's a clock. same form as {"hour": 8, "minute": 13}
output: {"hour": 6, "minute": 32}
